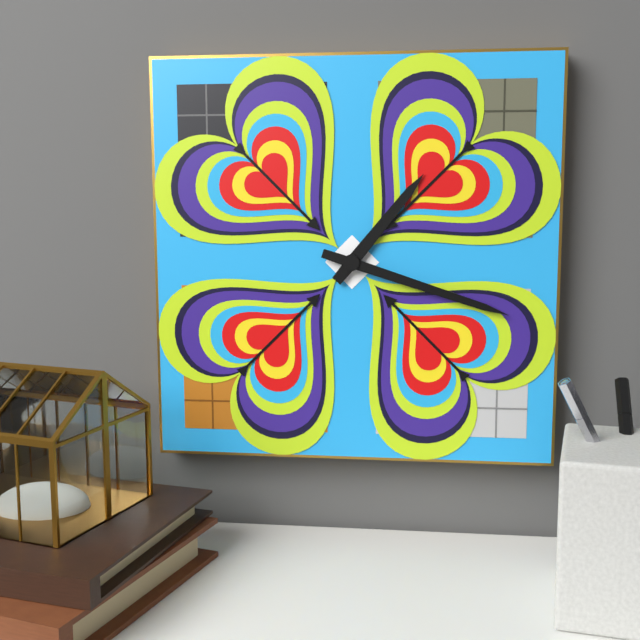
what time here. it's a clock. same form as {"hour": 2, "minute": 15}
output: {"hour": 1, "minute": 18}
